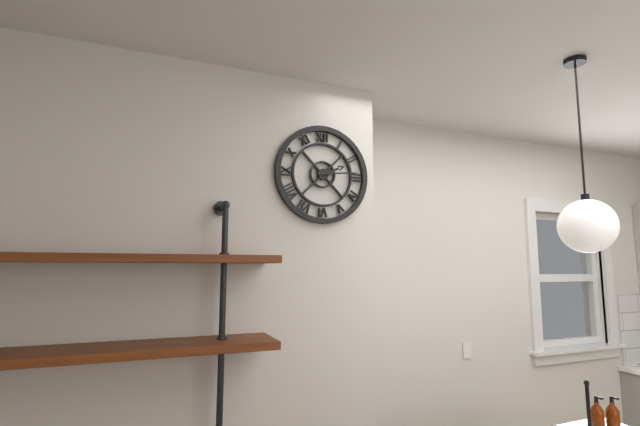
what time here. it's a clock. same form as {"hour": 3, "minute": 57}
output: {"hour": 2, "minute": 14}
